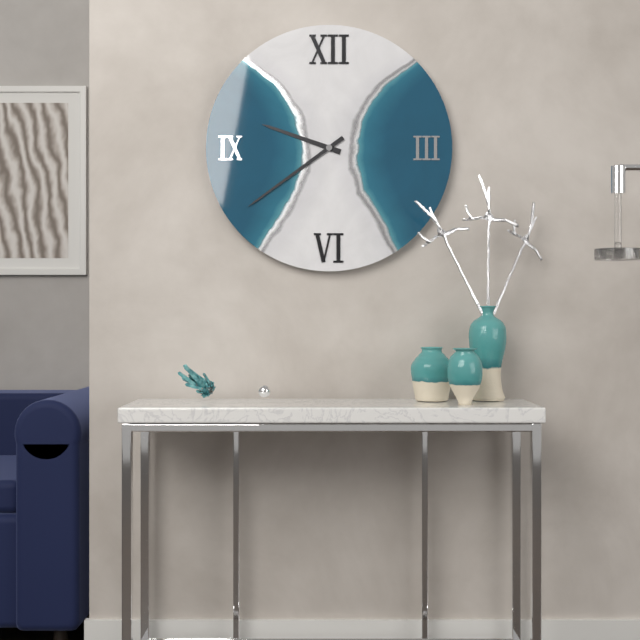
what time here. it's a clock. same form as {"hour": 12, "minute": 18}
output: {"hour": 9, "minute": 39}
